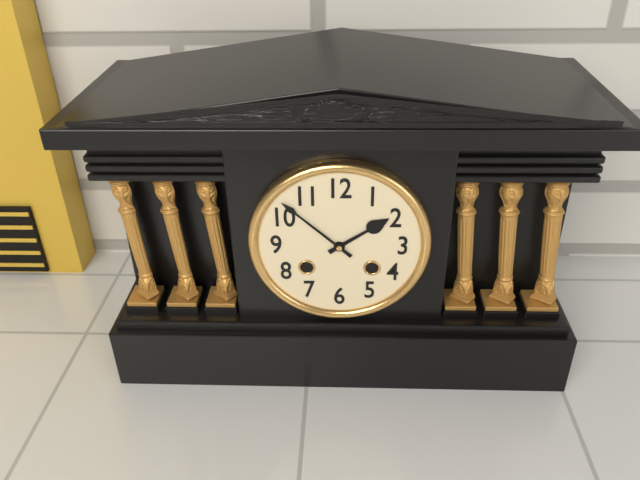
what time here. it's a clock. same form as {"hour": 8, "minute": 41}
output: {"hour": 1, "minute": 52}
